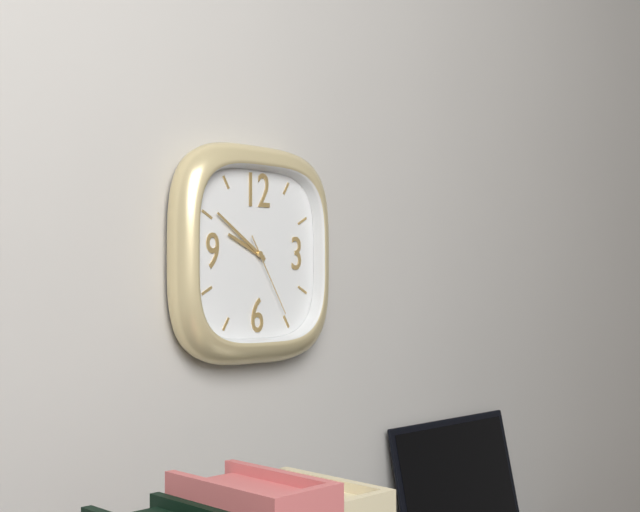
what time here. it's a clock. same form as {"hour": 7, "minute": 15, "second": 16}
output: {"hour": 9, "minute": 51, "second": 25}
